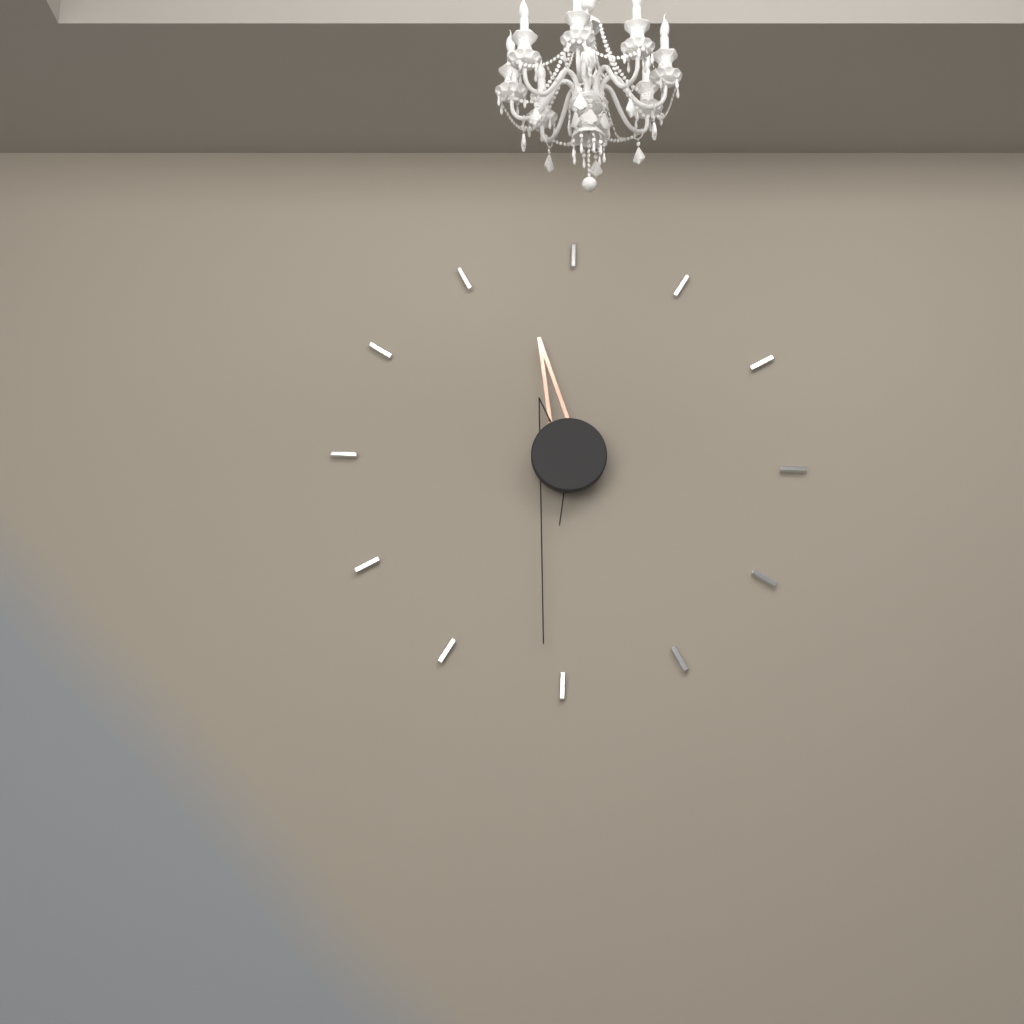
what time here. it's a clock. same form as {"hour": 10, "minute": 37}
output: {"hour": 11, "minute": 31}
